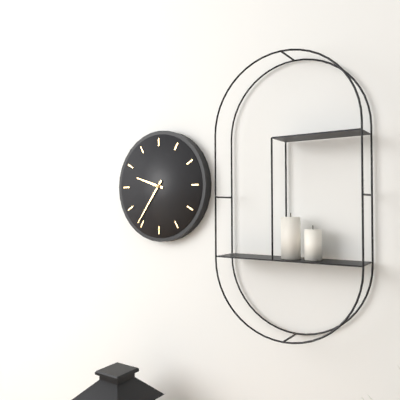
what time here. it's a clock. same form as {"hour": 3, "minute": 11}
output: {"hour": 9, "minute": 36}
